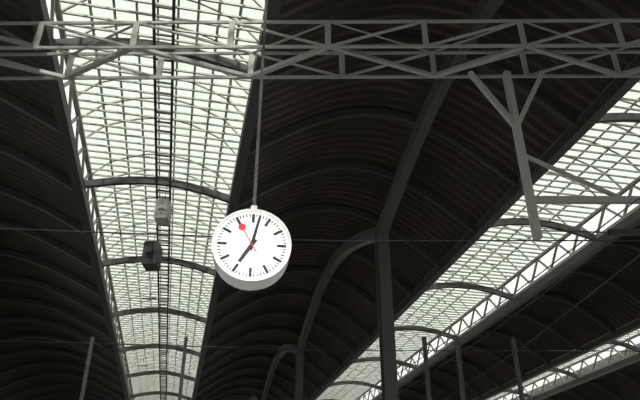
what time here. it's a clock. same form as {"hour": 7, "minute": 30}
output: {"hour": 7, "minute": 2}
